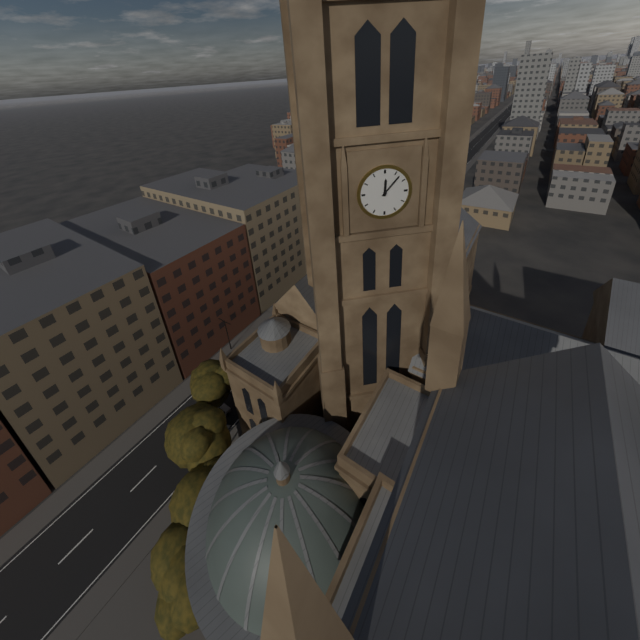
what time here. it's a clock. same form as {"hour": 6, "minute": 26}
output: {"hour": 12, "minute": 7}
